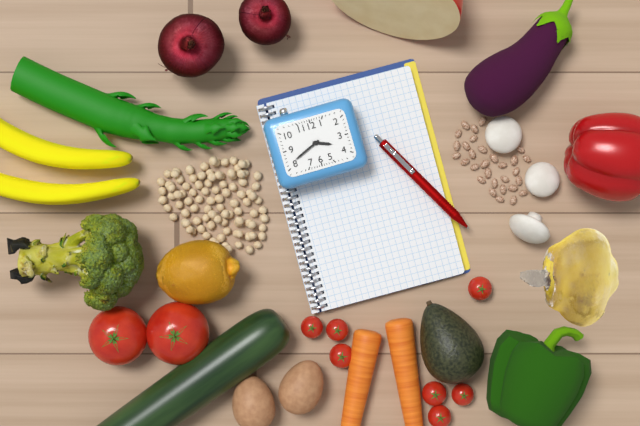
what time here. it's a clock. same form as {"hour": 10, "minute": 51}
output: {"hour": 3, "minute": 41}
